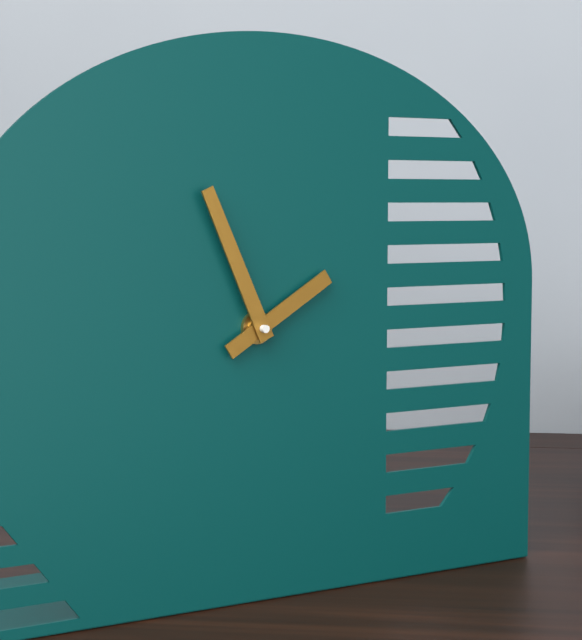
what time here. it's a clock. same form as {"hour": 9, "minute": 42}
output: {"hour": 1, "minute": 56}
